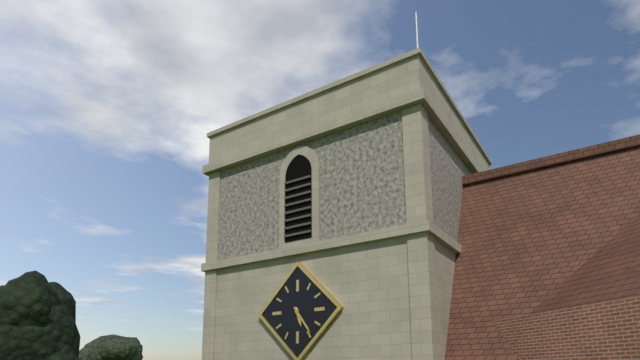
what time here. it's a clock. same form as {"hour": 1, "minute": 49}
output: {"hour": 5, "minute": 24}
